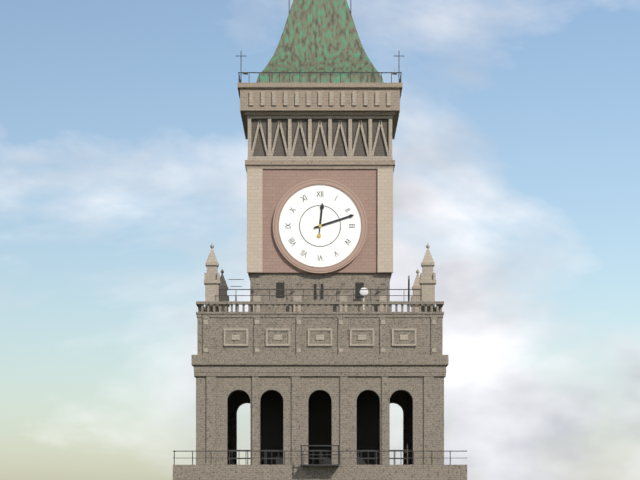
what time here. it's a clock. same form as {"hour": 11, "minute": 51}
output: {"hour": 12, "minute": 12}
